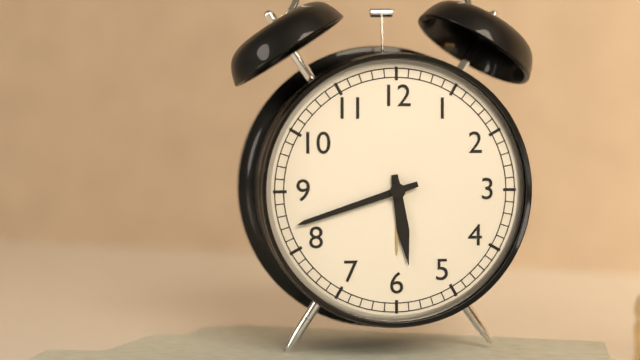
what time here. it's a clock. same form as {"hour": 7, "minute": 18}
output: {"hour": 5, "minute": 42}
